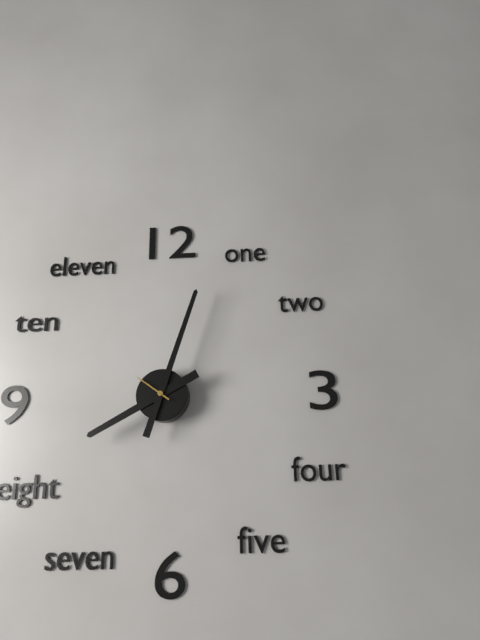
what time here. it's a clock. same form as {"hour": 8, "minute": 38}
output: {"hour": 8, "minute": 3}
